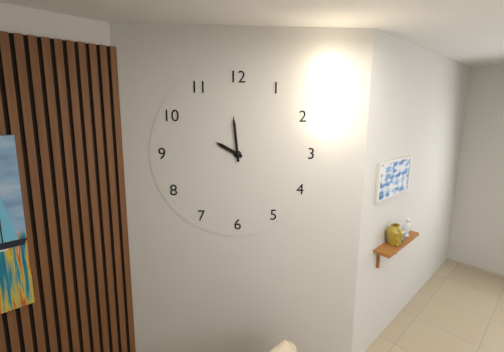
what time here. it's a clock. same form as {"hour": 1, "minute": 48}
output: {"hour": 9, "minute": 59}
